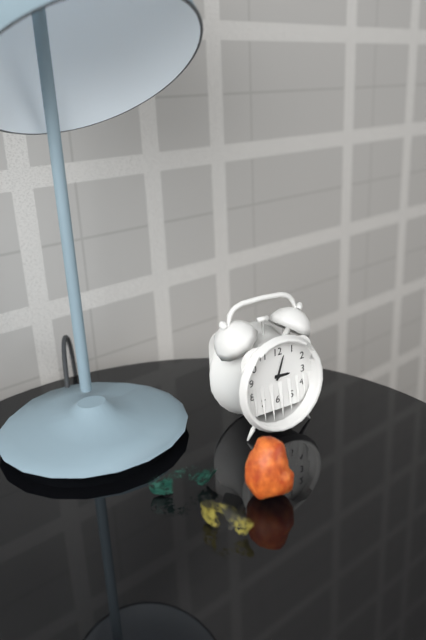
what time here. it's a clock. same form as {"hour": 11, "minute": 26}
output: {"hour": 3, "minute": 3}
